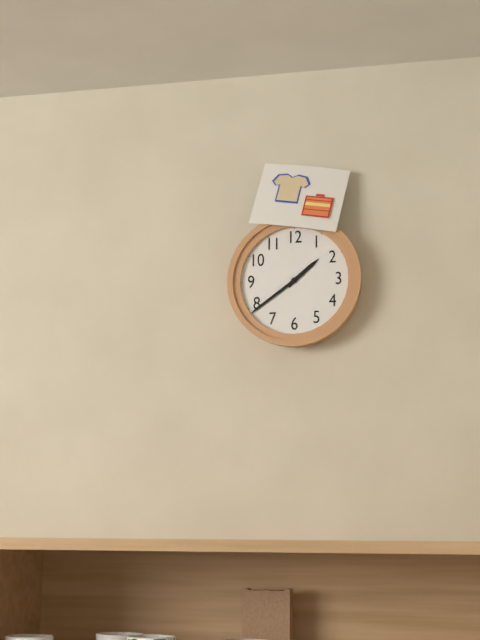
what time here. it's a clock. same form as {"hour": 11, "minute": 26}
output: {"hour": 1, "minute": 39}
